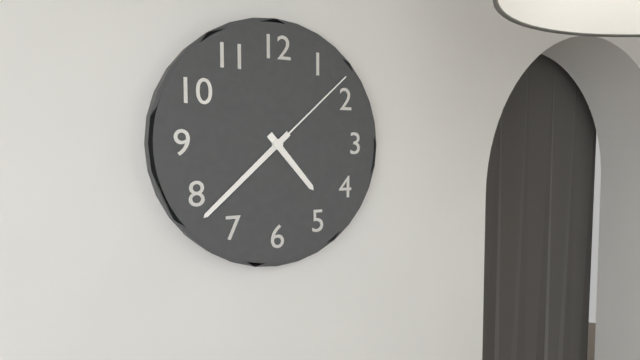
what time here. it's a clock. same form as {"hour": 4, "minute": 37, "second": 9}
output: {"hour": 4, "minute": 38, "second": 8}
